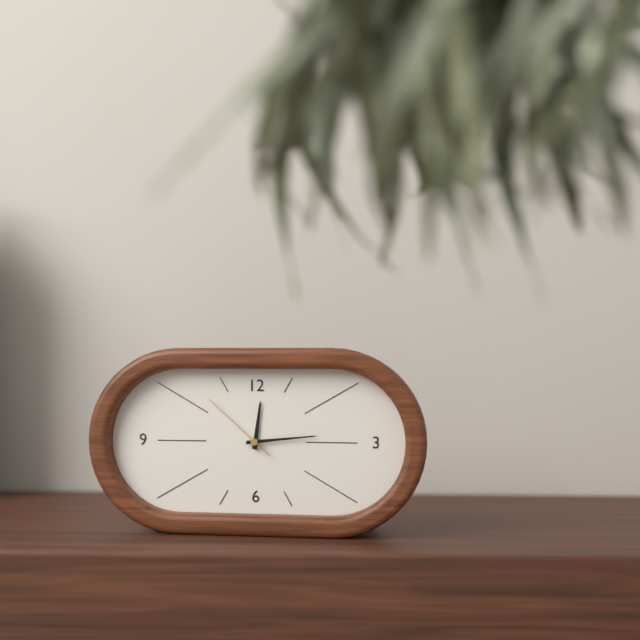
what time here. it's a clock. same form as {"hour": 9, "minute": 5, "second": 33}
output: {"hour": 12, "minute": 14, "second": 52}
